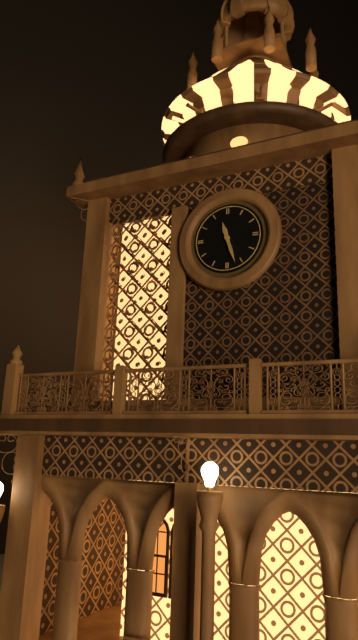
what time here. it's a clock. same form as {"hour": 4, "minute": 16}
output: {"hour": 11, "minute": 27}
